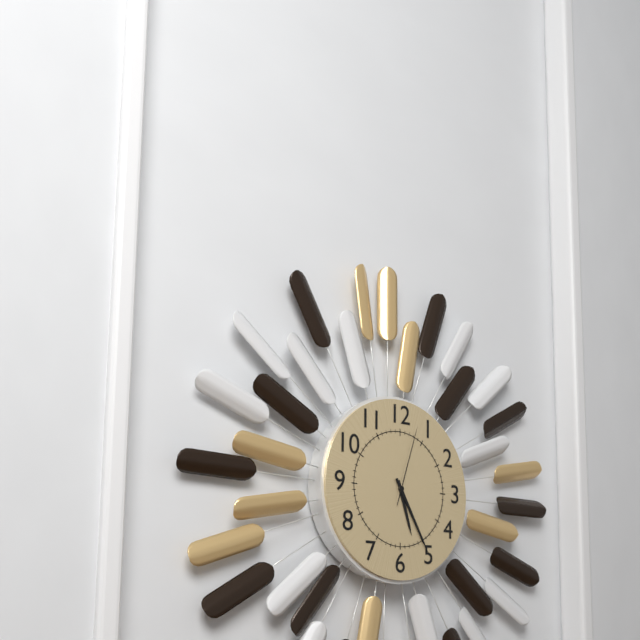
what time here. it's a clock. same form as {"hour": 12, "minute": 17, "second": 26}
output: {"hour": 5, "minute": 25, "second": 3}
